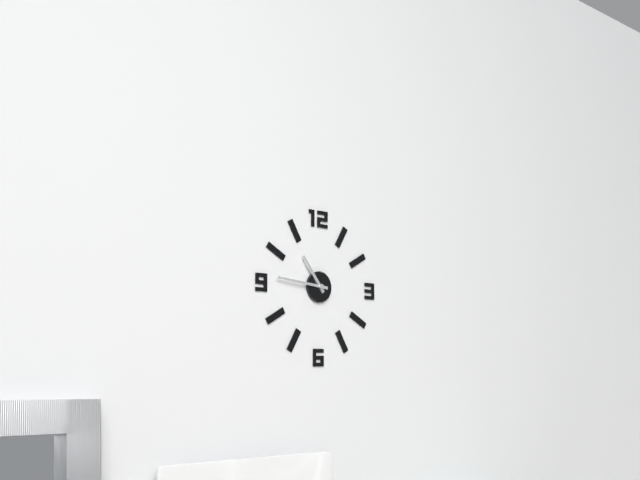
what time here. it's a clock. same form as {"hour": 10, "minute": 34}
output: {"hour": 10, "minute": 46}
